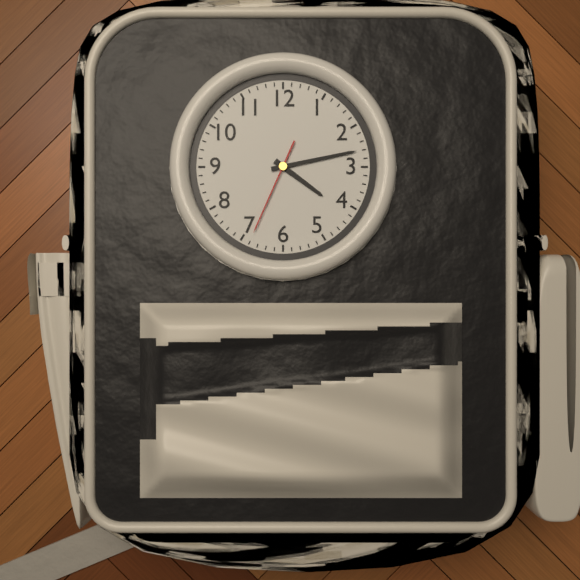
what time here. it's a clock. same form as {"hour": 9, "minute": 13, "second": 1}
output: {"hour": 4, "minute": 13, "second": 34}
